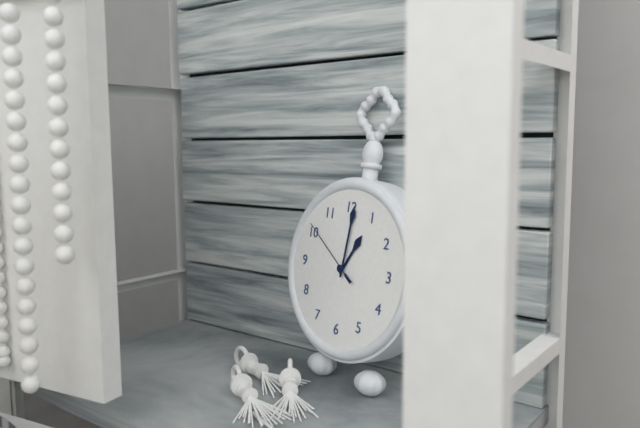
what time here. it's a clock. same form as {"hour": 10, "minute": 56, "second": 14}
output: {"hour": 1, "minute": 1, "second": 51}
